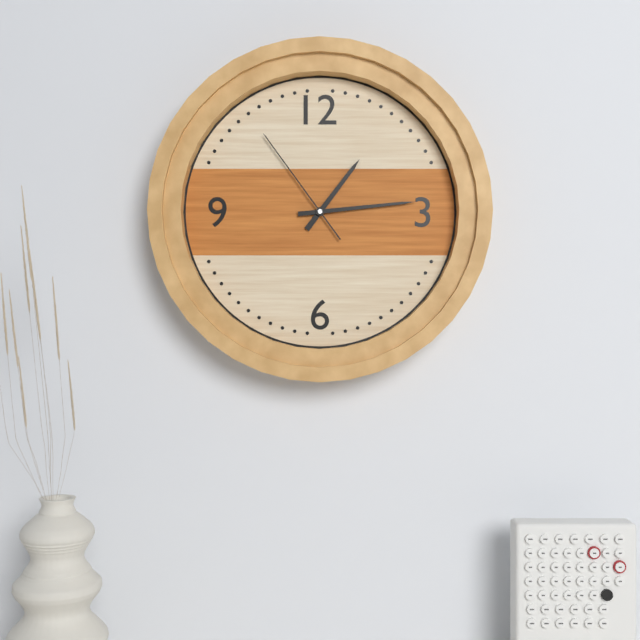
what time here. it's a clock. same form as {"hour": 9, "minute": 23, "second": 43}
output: {"hour": 1, "minute": 14, "second": 54}
